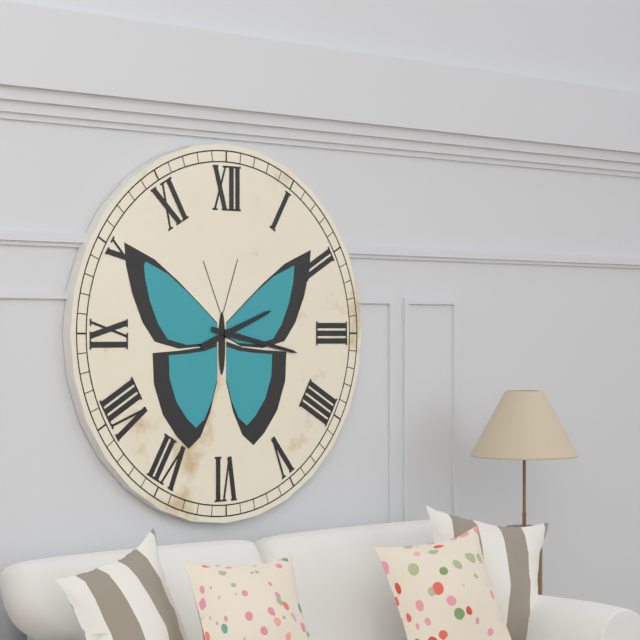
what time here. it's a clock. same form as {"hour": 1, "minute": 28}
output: {"hour": 2, "minute": 17}
